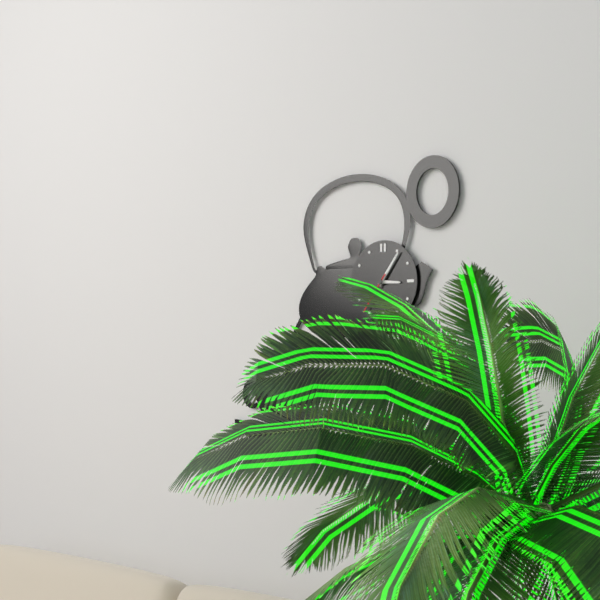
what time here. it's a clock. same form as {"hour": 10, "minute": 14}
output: {"hour": 3, "minute": 6}
